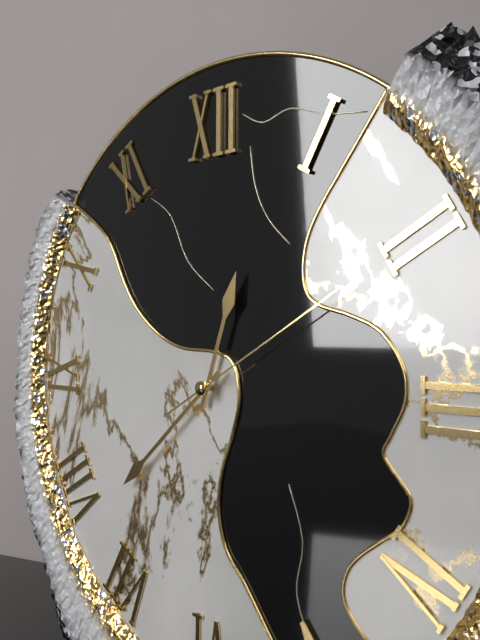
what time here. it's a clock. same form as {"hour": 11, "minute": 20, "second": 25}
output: {"hour": 12, "minute": 38, "second": 10}
